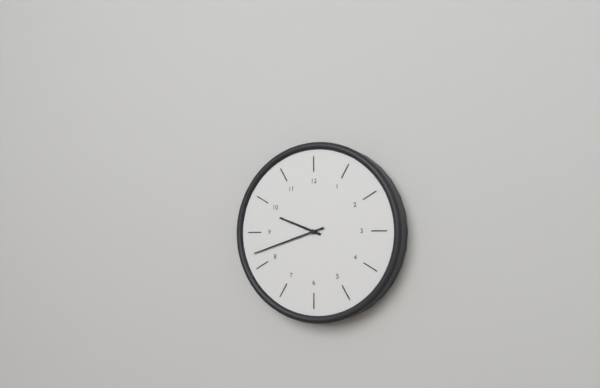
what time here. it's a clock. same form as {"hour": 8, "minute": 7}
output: {"hour": 9, "minute": 42}
